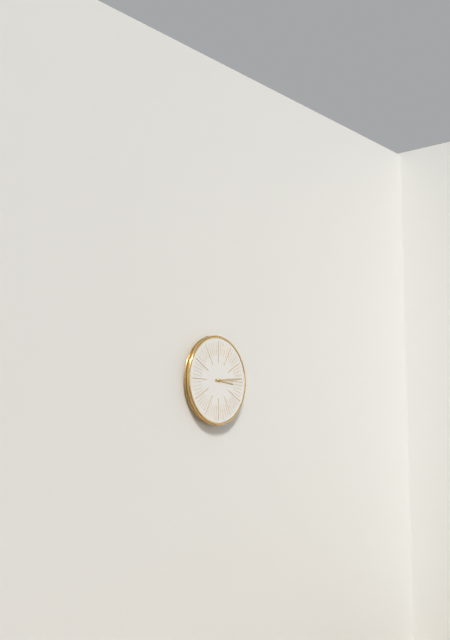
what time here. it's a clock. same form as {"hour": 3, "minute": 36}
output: {"hour": 3, "minute": 14}
